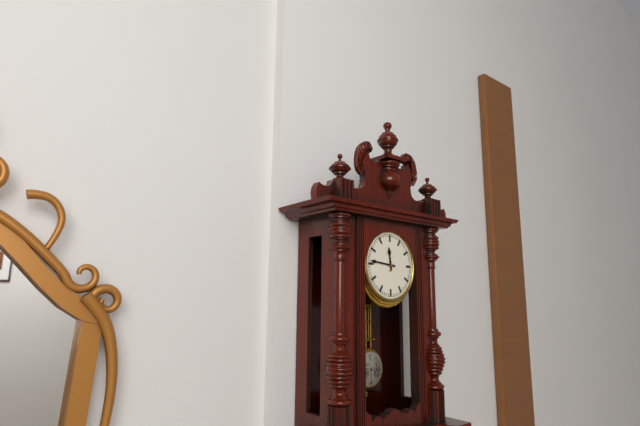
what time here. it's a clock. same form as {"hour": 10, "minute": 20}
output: {"hour": 11, "minute": 46}
